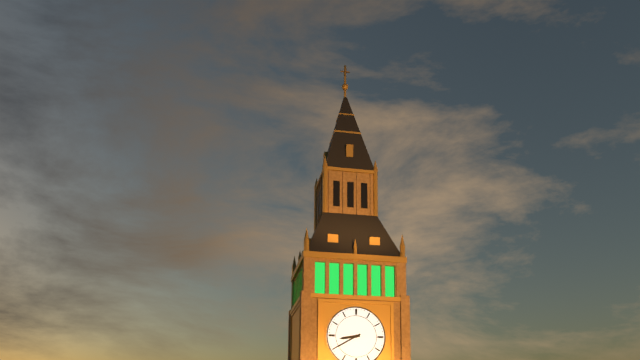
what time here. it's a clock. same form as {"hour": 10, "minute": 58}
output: {"hour": 8, "minute": 40}
